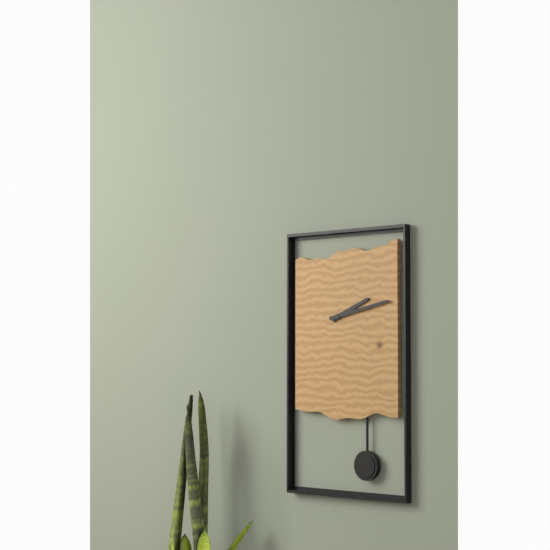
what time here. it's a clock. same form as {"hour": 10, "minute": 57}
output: {"hour": 2, "minute": 13}
